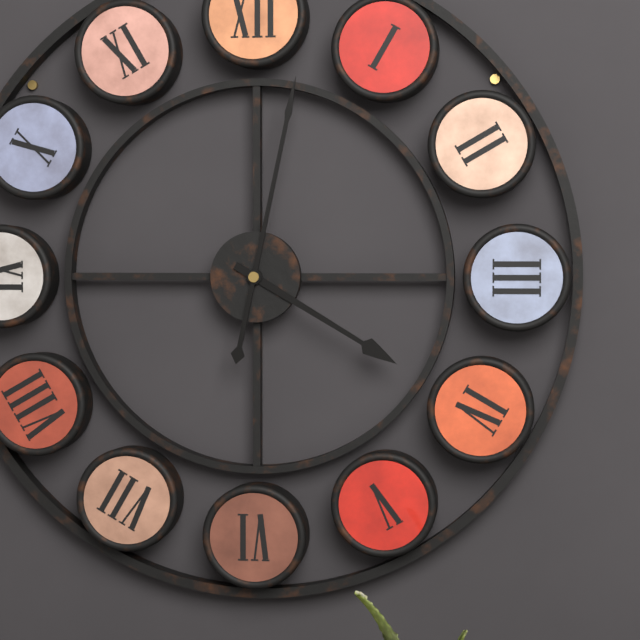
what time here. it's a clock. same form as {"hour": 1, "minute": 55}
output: {"hour": 4, "minute": 2}
